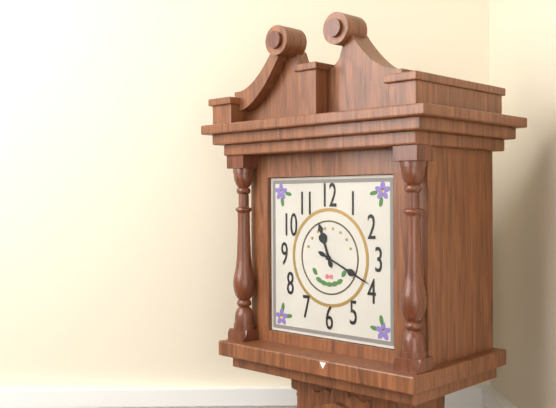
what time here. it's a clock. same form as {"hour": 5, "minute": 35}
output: {"hour": 11, "minute": 19}
